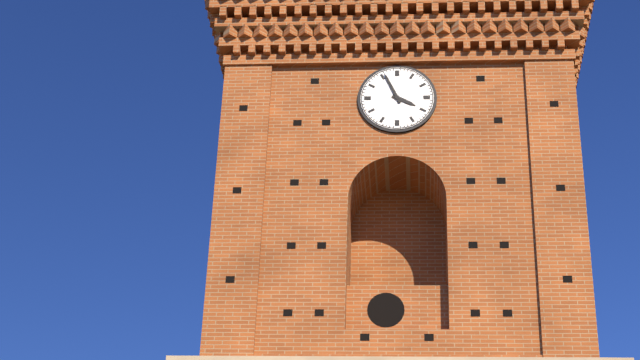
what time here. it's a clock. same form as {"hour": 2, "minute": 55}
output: {"hour": 3, "minute": 56}
